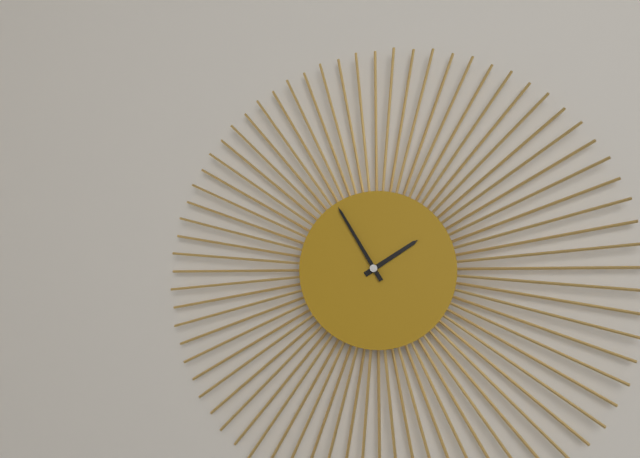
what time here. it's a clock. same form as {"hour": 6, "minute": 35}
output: {"hour": 1, "minute": 55}
